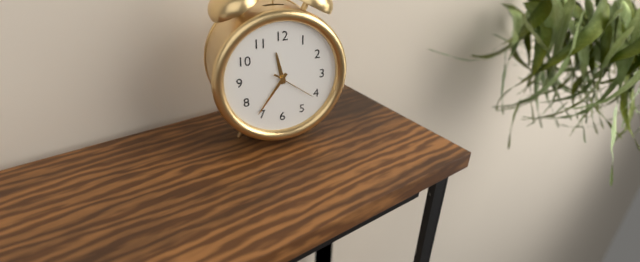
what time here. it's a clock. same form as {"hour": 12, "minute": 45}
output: {"hour": 11, "minute": 36}
